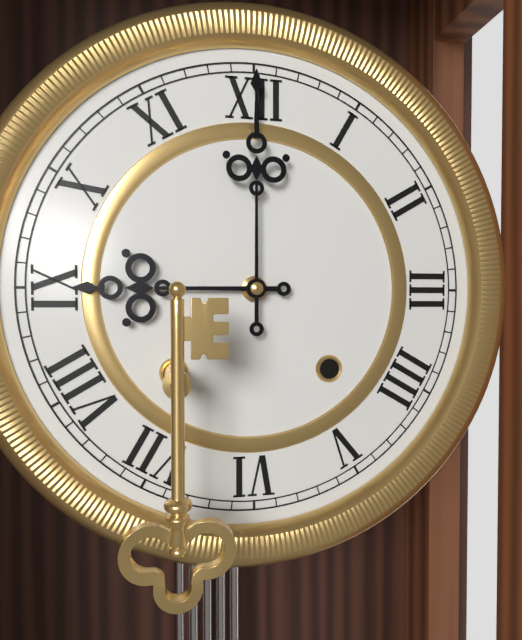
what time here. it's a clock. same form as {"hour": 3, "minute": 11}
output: {"hour": 9, "minute": 0}
